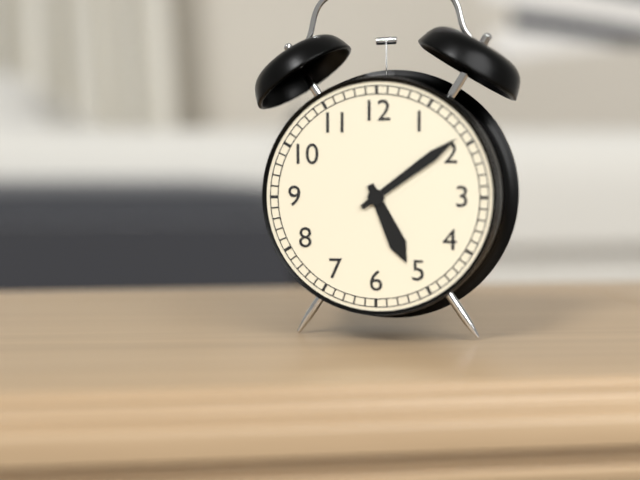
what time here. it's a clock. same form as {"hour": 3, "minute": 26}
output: {"hour": 5, "minute": 9}
